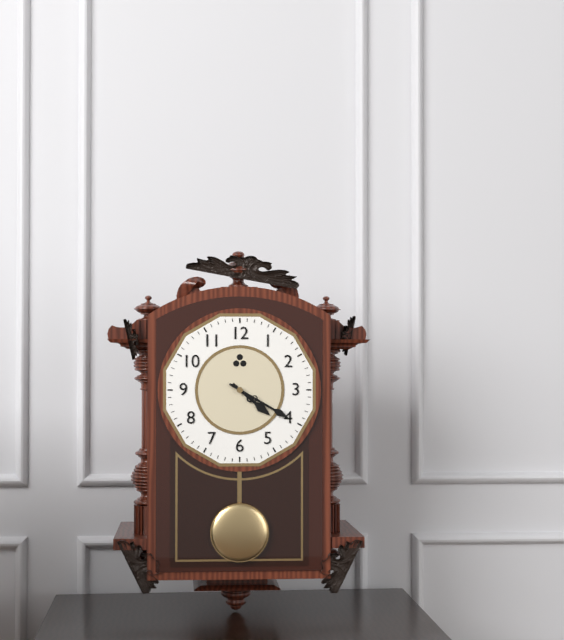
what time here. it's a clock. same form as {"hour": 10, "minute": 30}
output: {"hour": 4, "minute": 20}
